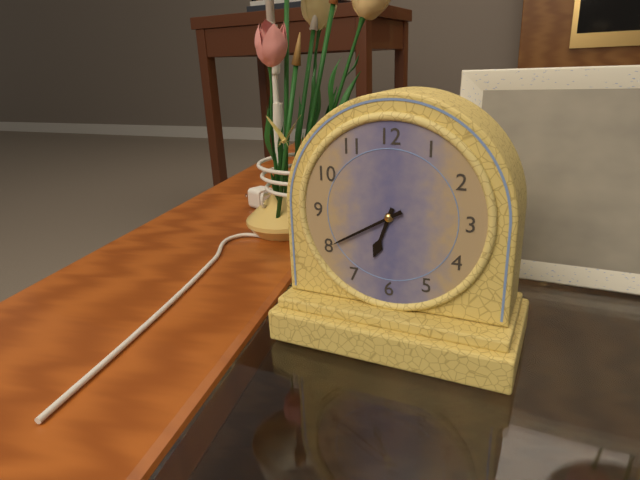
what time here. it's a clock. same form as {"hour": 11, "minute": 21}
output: {"hour": 6, "minute": 40}
